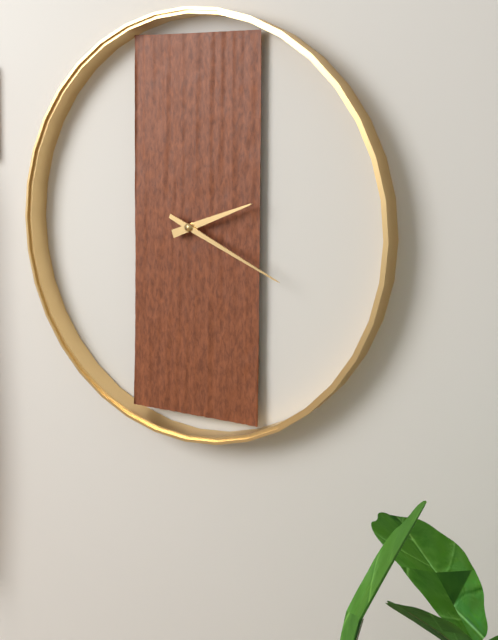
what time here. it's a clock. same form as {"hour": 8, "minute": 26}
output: {"hour": 2, "minute": 19}
